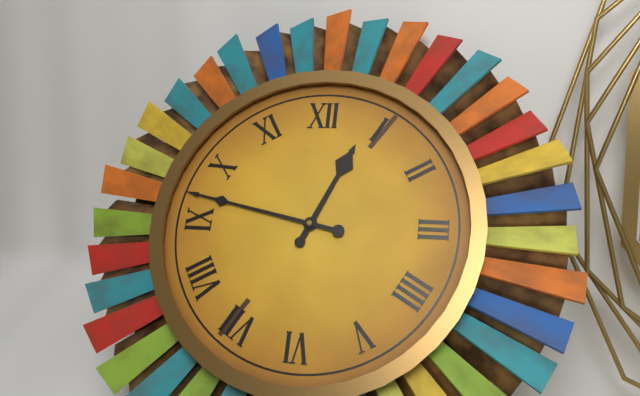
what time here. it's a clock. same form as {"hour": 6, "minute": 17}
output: {"hour": 12, "minute": 47}
